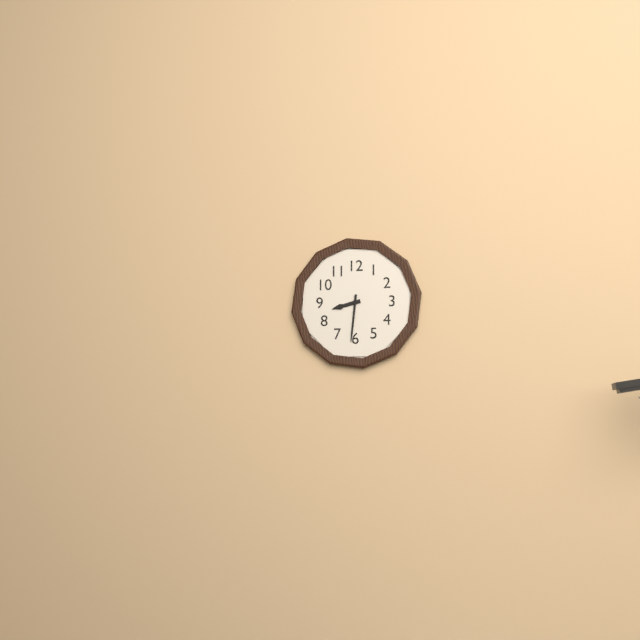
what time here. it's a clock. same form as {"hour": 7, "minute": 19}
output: {"hour": 8, "minute": 31}
